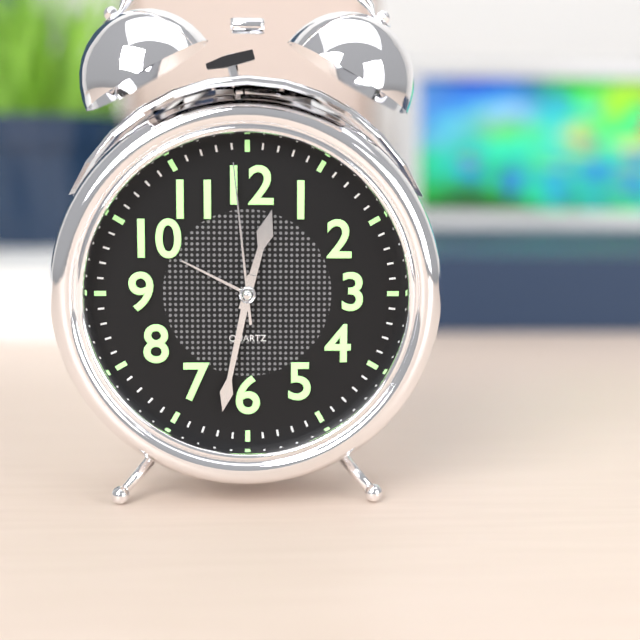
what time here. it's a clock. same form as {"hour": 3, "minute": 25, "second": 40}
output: {"hour": 12, "minute": 32, "second": 59}
